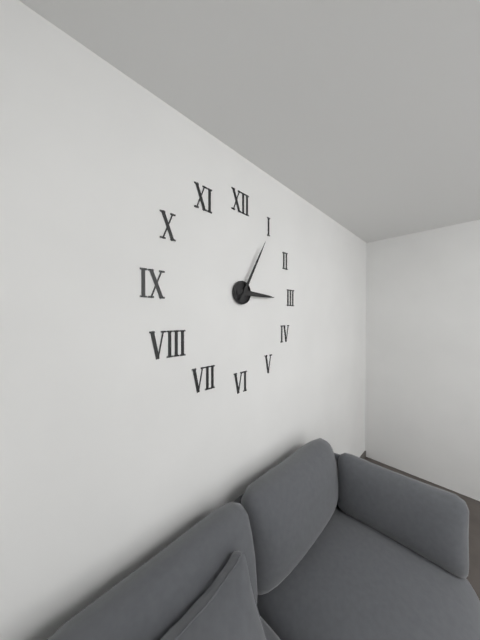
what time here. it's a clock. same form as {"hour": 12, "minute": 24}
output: {"hour": 3, "minute": 5}
